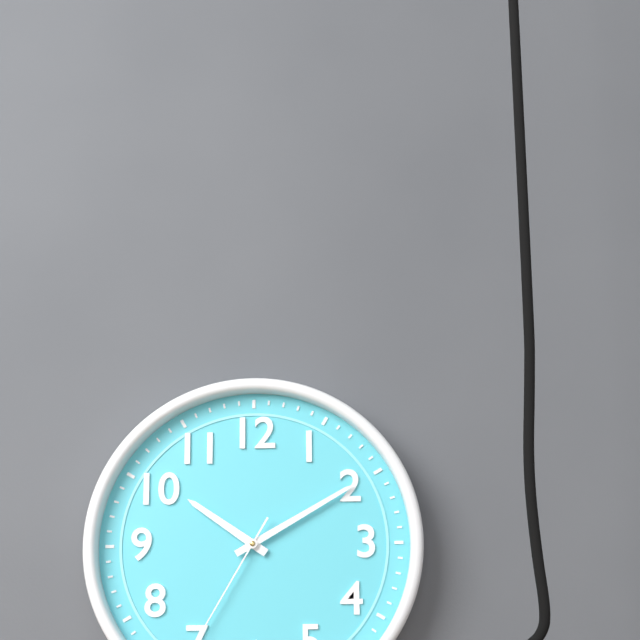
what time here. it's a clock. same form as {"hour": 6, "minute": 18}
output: {"hour": 10, "minute": 10}
